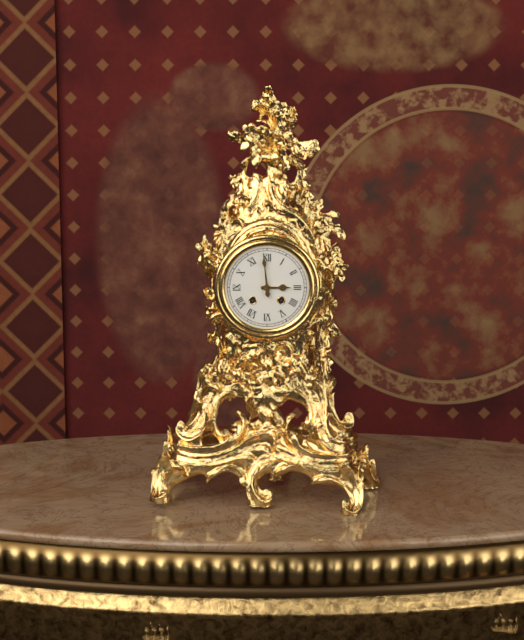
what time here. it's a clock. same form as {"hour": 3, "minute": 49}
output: {"hour": 2, "minute": 59}
